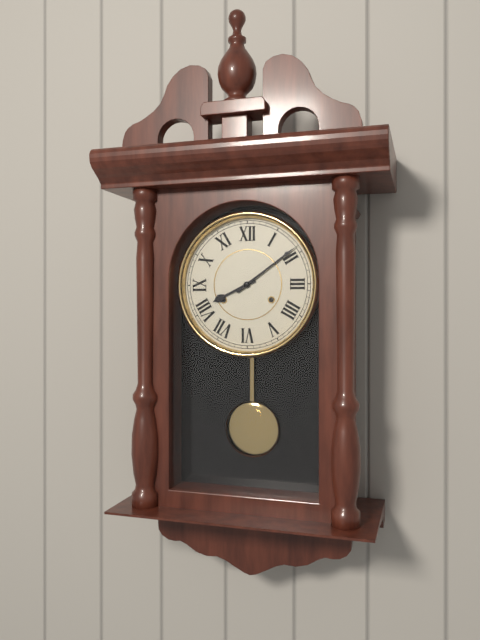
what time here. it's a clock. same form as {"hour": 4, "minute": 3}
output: {"hour": 8, "minute": 9}
